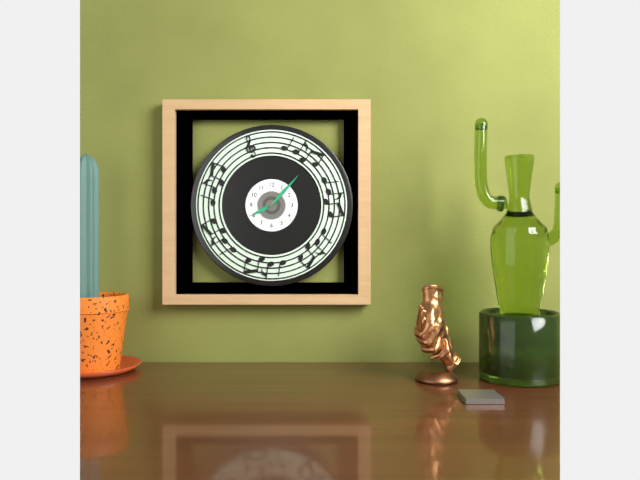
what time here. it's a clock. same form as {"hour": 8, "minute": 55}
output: {"hour": 8, "minute": 7}
